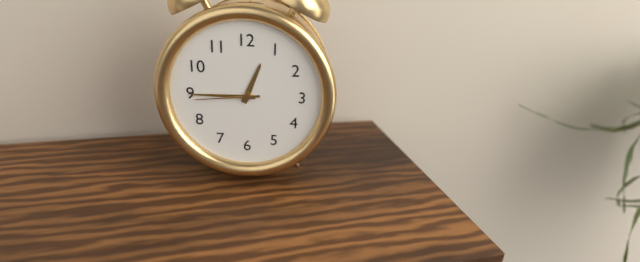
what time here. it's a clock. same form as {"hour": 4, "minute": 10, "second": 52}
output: {"hour": 12, "minute": 45, "second": 44}
